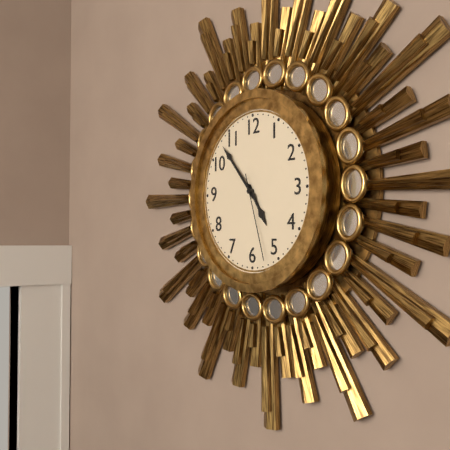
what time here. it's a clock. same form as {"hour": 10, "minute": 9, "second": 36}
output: {"hour": 4, "minute": 53, "second": 27}
